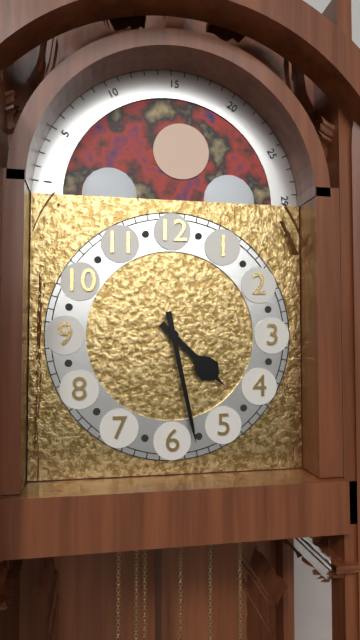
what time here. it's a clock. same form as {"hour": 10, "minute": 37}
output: {"hour": 4, "minute": 28}
